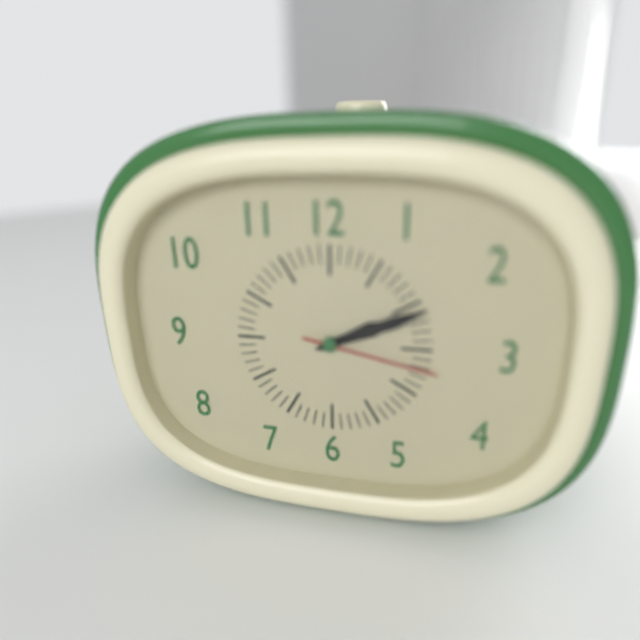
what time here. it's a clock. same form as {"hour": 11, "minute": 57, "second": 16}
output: {"hour": 2, "minute": 11, "second": 17}
